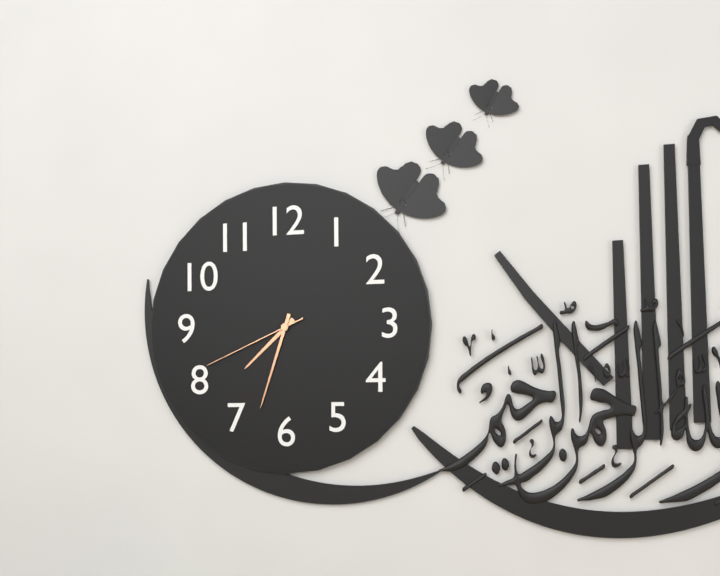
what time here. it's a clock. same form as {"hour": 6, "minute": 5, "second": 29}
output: {"hour": 7, "minute": 33, "second": 41}
